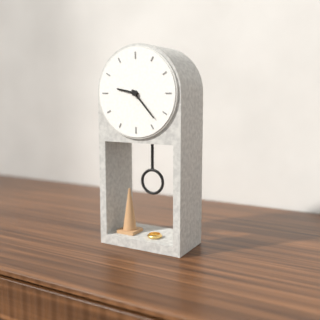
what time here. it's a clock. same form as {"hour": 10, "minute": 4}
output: {"hour": 9, "minute": 23}
